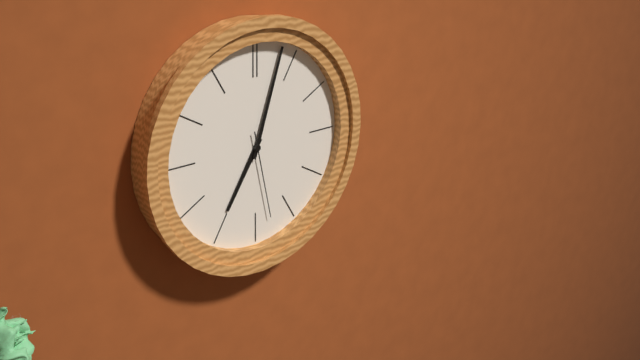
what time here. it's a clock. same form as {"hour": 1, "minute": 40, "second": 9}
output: {"hour": 7, "minute": 3, "second": 28}
